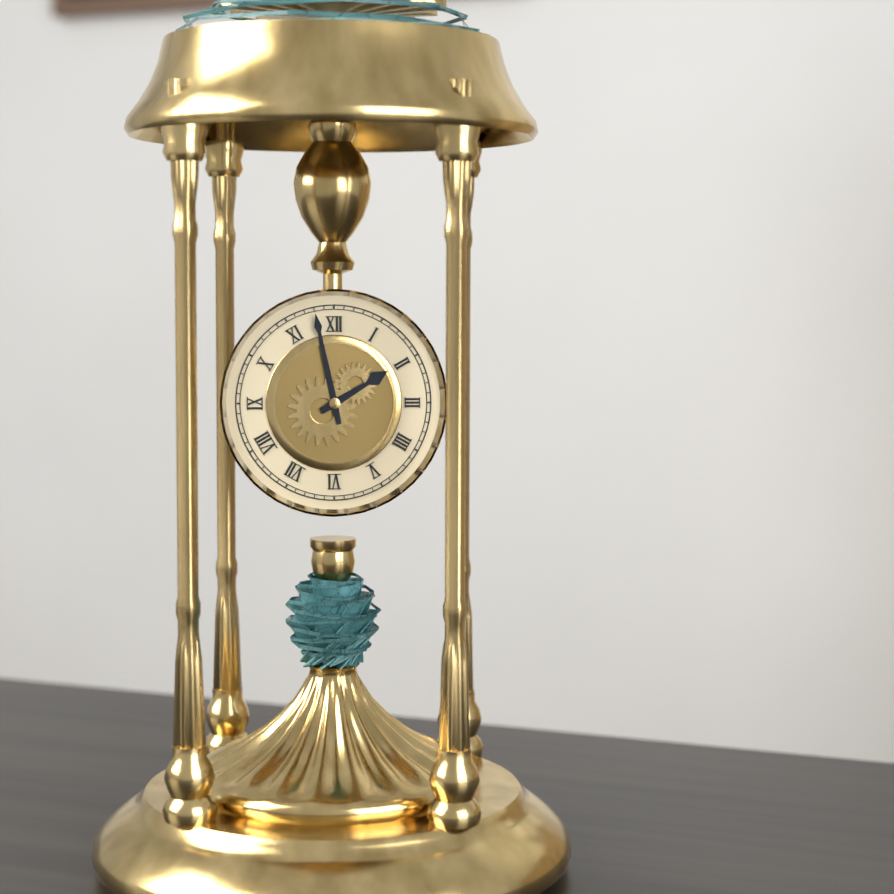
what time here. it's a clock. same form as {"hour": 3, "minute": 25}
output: {"hour": 1, "minute": 58}
